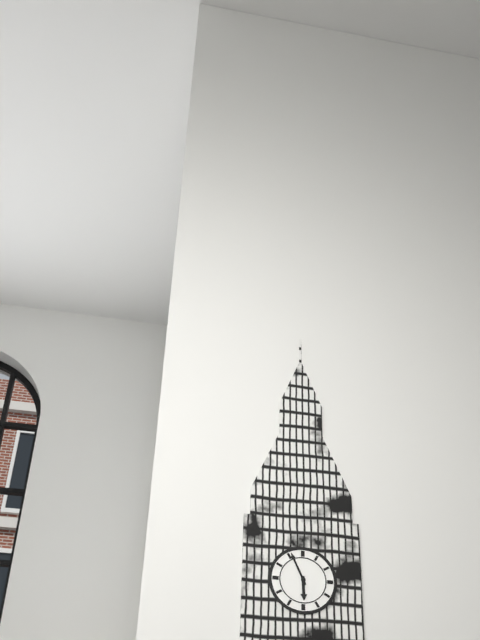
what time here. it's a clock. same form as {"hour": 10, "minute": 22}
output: {"hour": 5, "minute": 56}
